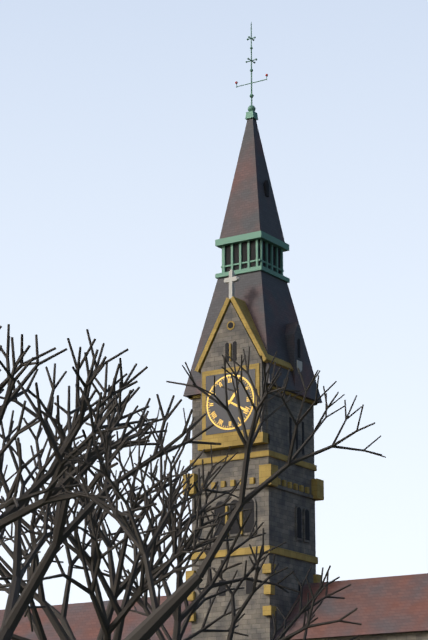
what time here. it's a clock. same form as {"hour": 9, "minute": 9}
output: {"hour": 1, "minute": 20}
